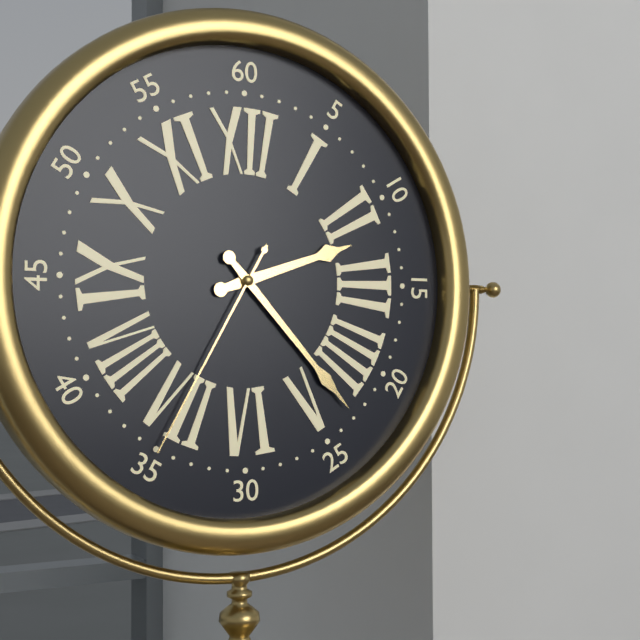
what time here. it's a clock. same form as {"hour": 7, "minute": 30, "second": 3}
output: {"hour": 2, "minute": 23, "second": 35}
